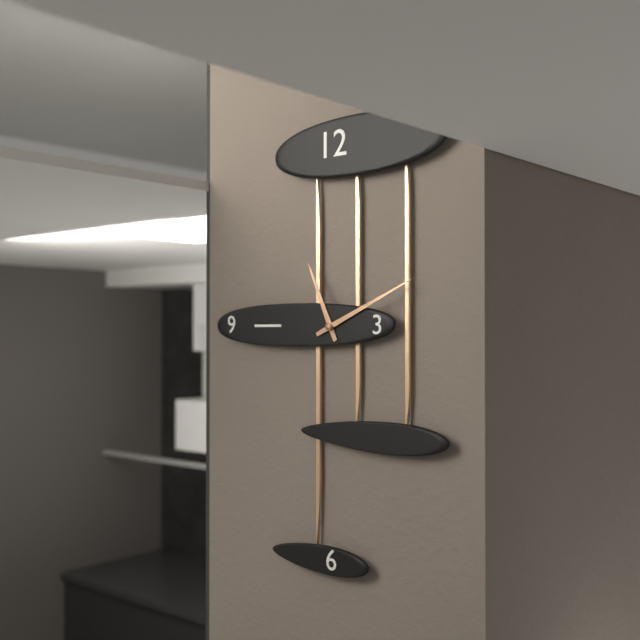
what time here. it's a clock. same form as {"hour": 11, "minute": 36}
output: {"hour": 11, "minute": 11}
